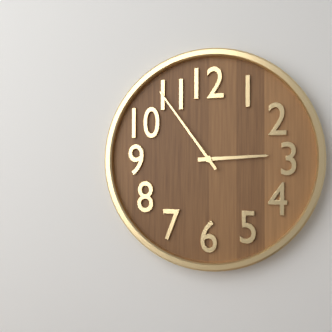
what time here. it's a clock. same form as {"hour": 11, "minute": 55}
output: {"hour": 2, "minute": 54}
